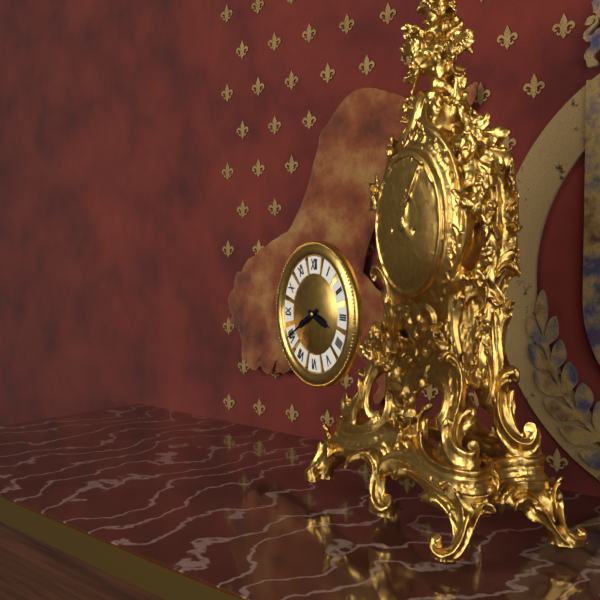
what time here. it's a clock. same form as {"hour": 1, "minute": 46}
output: {"hour": 3, "minute": 40}
